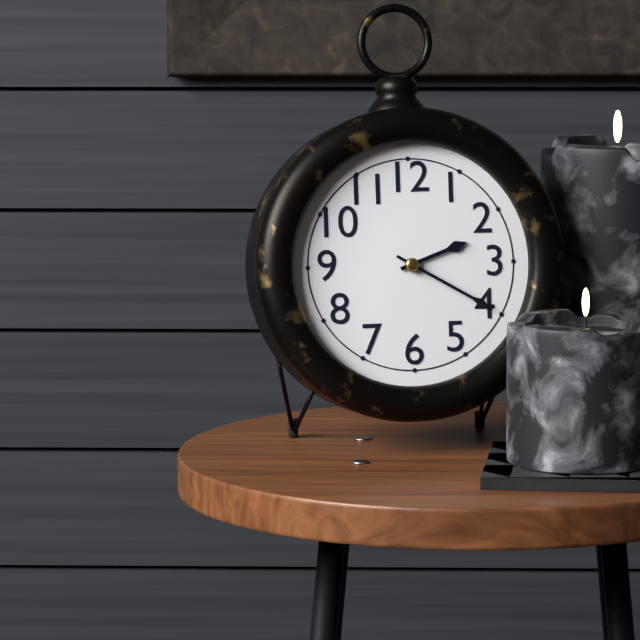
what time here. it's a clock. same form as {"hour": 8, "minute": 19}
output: {"hour": 2, "minute": 20}
